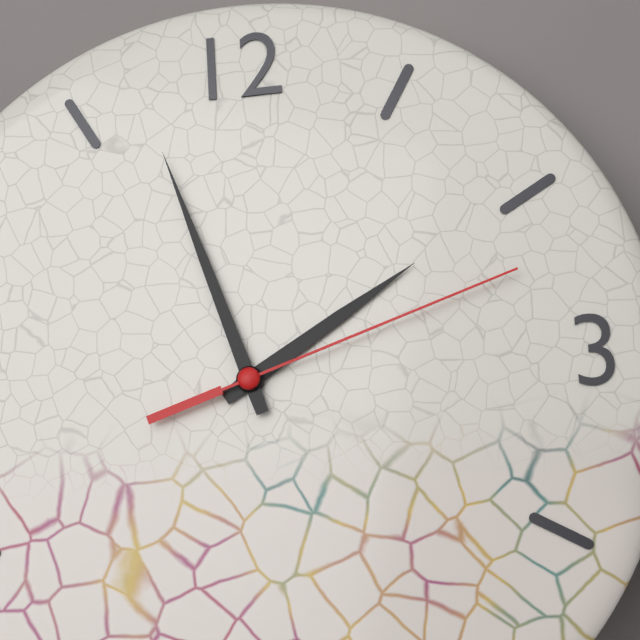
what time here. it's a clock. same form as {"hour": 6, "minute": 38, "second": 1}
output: {"hour": 1, "minute": 57, "second": 12}
